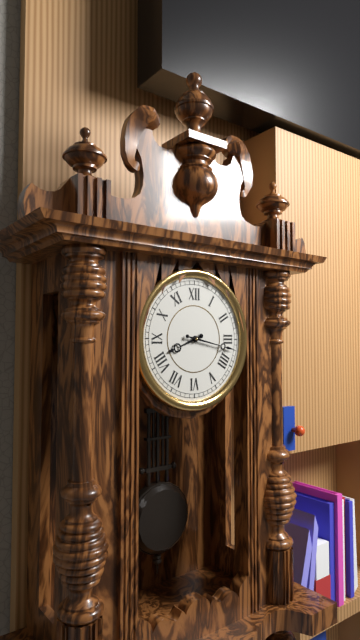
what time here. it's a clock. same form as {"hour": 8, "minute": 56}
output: {"hour": 8, "minute": 17}
